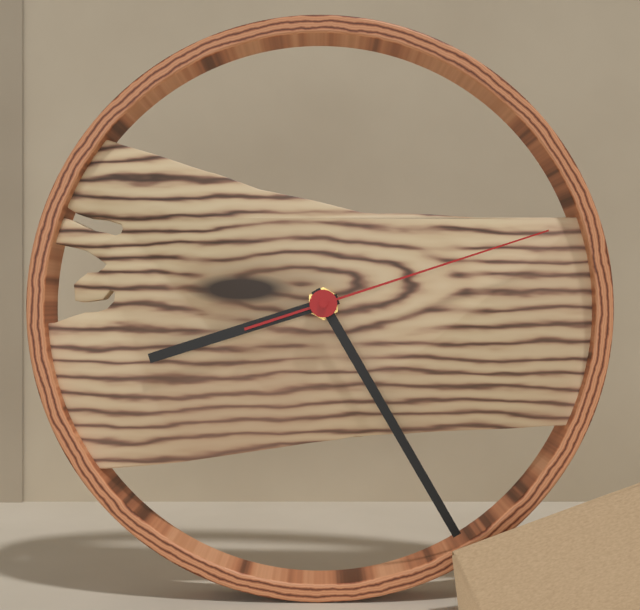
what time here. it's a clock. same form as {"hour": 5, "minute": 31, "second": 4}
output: {"hour": 8, "minute": 25, "second": 12}
